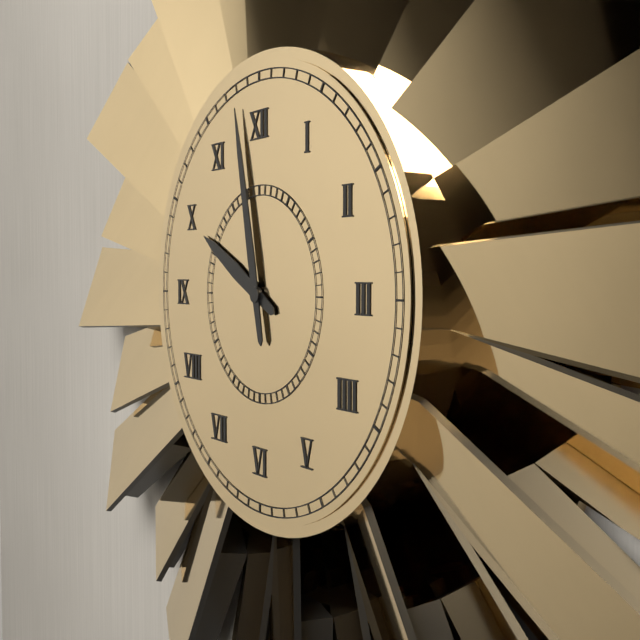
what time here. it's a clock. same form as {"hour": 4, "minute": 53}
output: {"hour": 9, "minute": 58}
